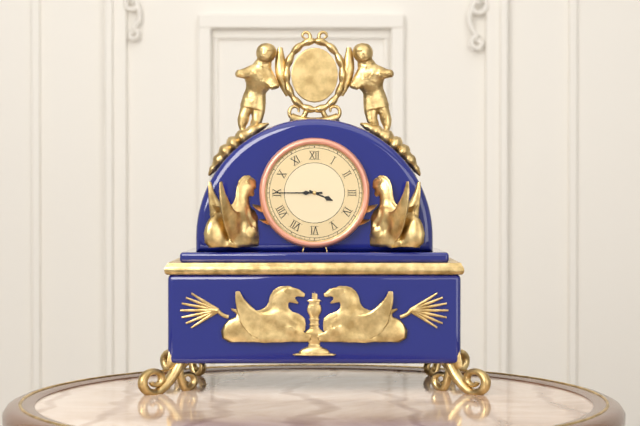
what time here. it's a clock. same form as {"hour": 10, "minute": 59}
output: {"hour": 3, "minute": 45}
